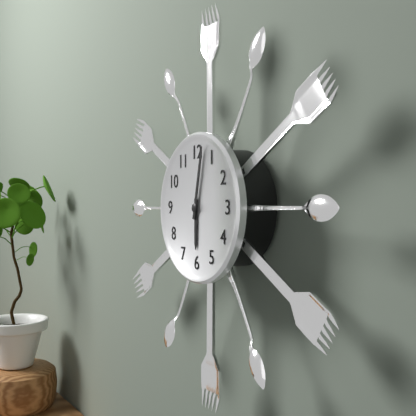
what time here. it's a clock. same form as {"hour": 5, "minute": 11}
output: {"hour": 6, "minute": 2}
